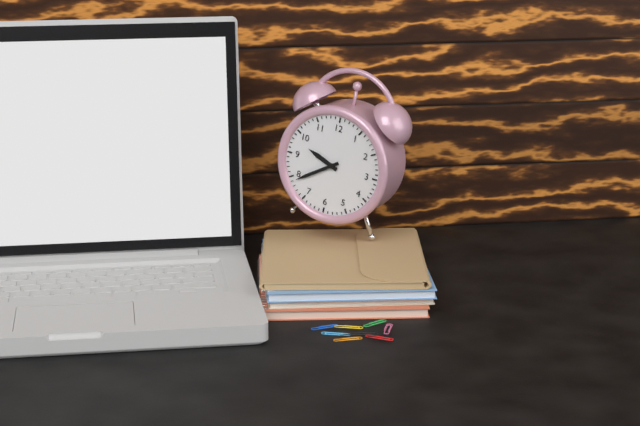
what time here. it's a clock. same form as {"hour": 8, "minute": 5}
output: {"hour": 9, "minute": 39}
